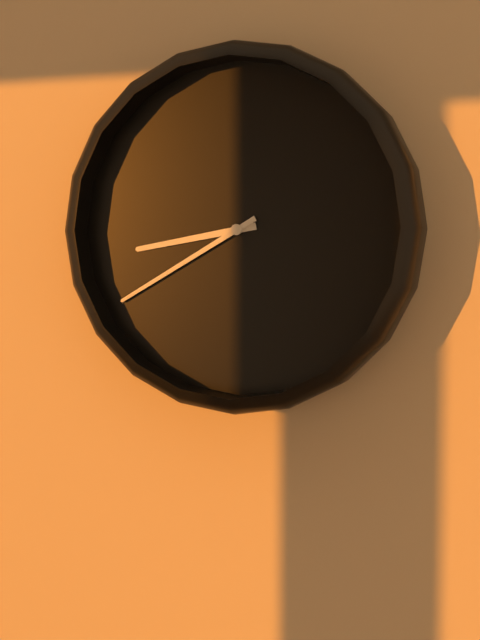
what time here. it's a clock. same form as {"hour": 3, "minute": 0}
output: {"hour": 8, "minute": 40}
